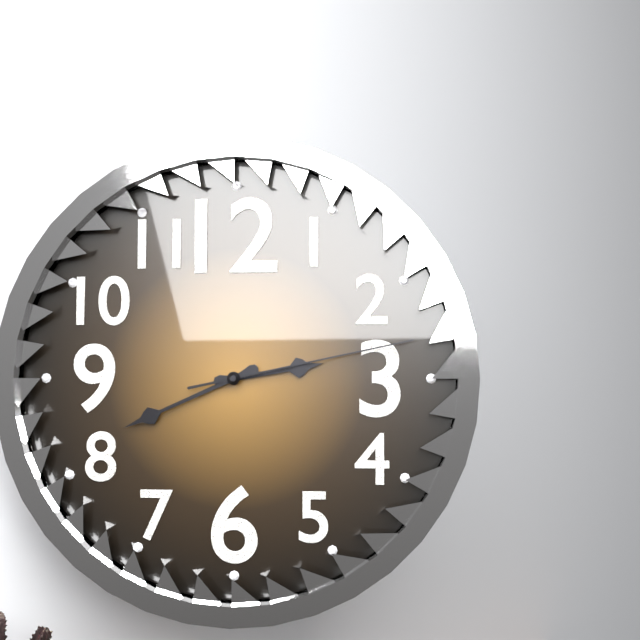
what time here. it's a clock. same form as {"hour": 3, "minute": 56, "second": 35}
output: {"hour": 2, "minute": 41, "second": 13}
